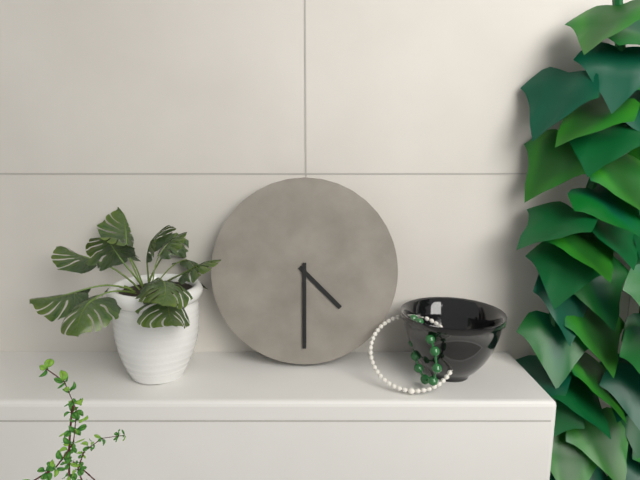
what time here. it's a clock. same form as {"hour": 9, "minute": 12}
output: {"hour": 4, "minute": 30}
